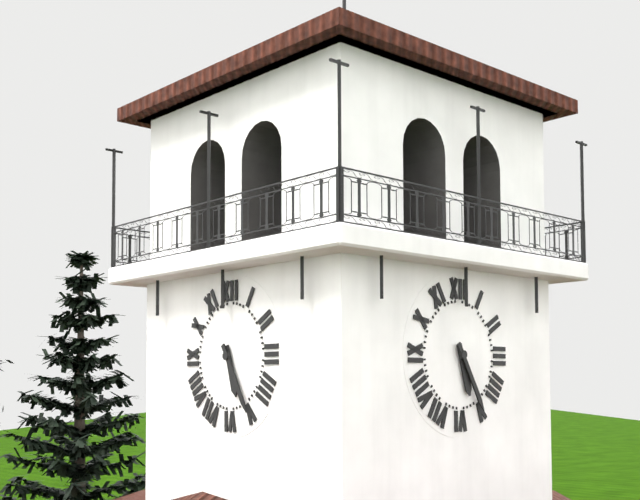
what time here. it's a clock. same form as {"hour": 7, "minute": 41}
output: {"hour": 5, "minute": 25}
